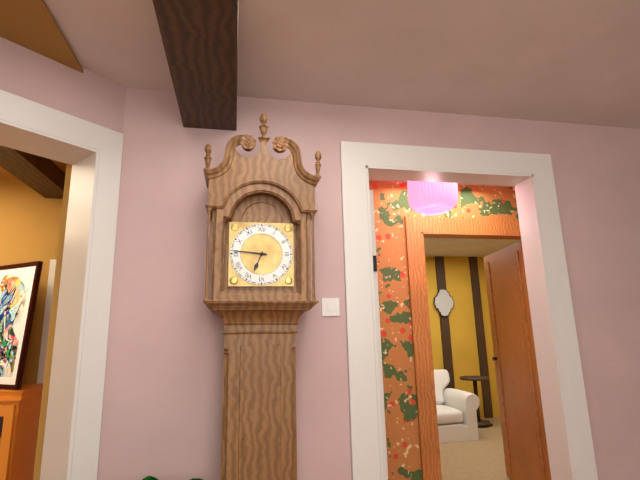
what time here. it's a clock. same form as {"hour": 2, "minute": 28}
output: {"hour": 6, "minute": 46}
